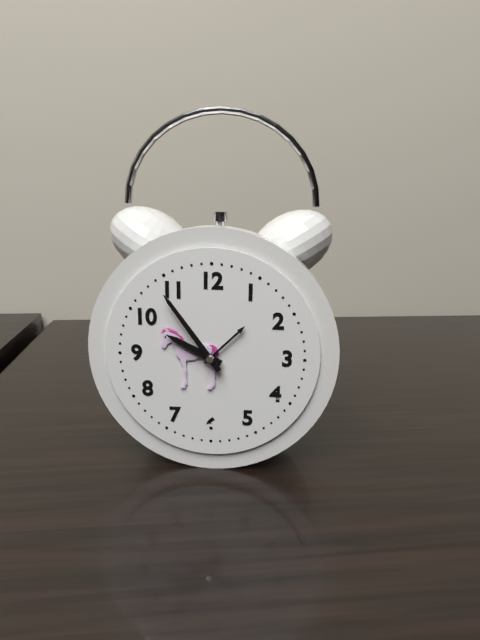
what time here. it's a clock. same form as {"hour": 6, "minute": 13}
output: {"hour": 9, "minute": 54}
